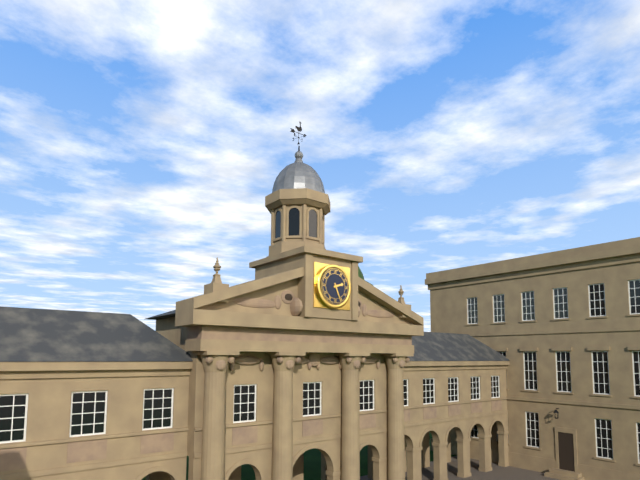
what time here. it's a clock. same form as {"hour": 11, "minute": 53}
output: {"hour": 2, "minute": 26}
